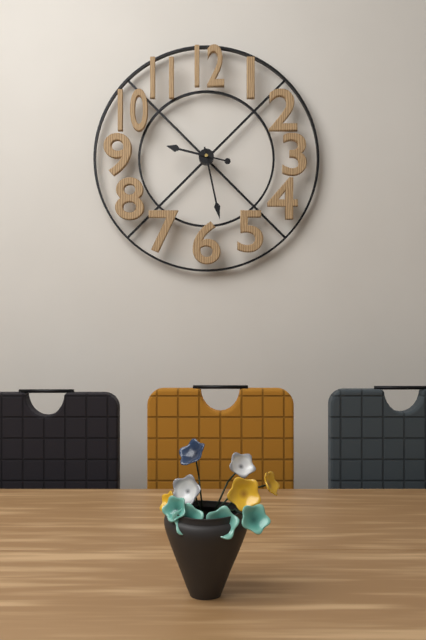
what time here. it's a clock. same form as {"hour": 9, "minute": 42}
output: {"hour": 9, "minute": 28}
